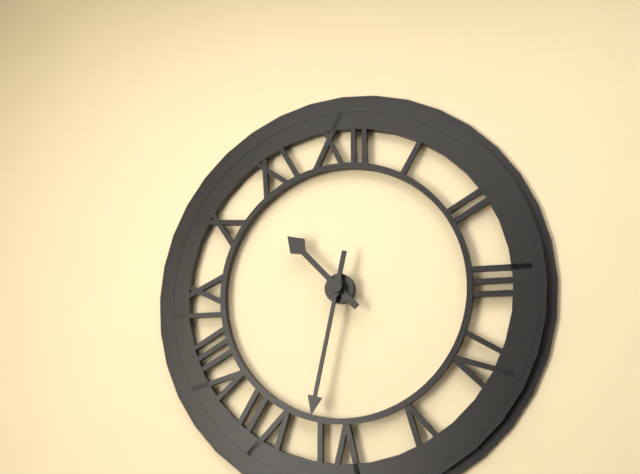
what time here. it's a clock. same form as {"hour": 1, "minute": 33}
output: {"hour": 10, "minute": 32}
